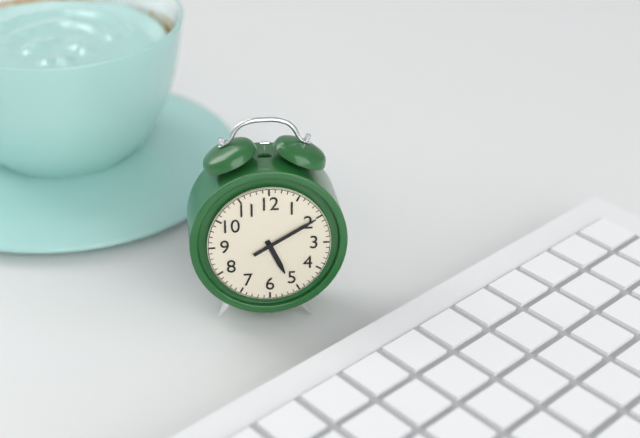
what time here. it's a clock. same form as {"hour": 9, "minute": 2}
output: {"hour": 5, "minute": 10}
